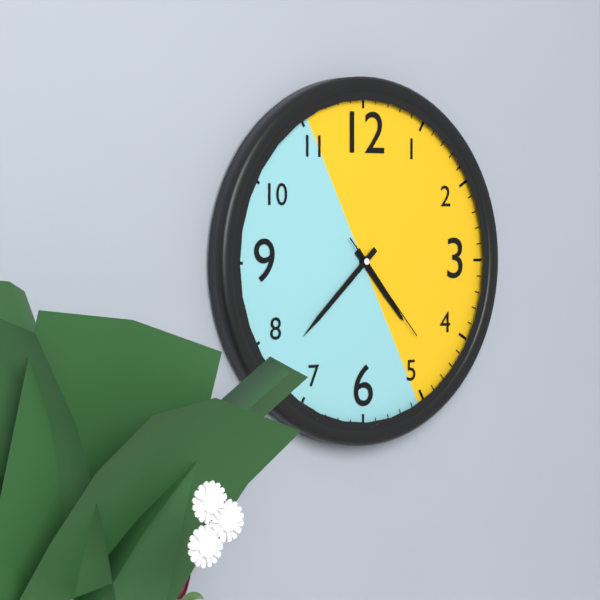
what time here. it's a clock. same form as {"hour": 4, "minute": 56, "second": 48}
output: {"hour": 4, "minute": 38, "second": 23}
